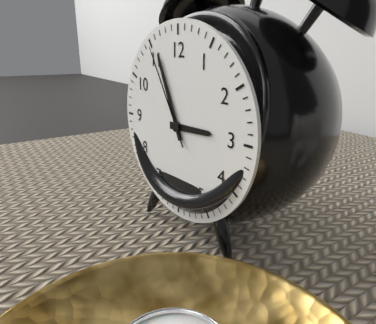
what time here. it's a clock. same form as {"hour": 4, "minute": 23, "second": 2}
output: {"hour": 2, "minute": 56, "second": 55}
